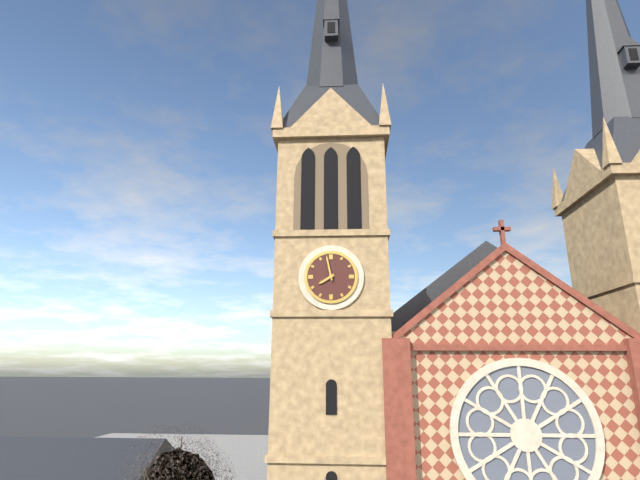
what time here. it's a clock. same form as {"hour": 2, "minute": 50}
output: {"hour": 7, "minute": 58}
